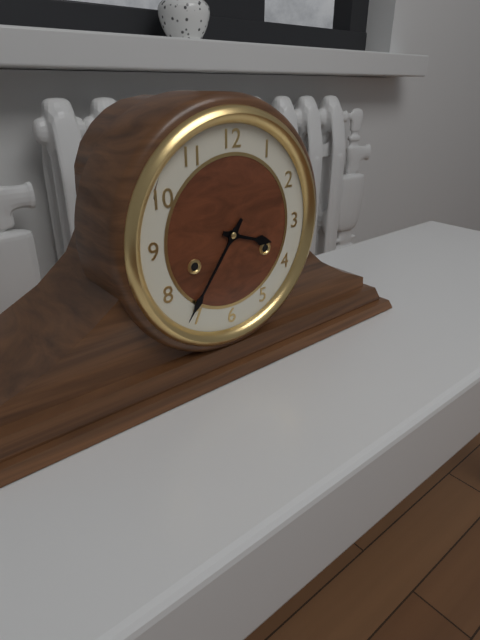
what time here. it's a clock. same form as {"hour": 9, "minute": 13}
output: {"hour": 3, "minute": 36}
